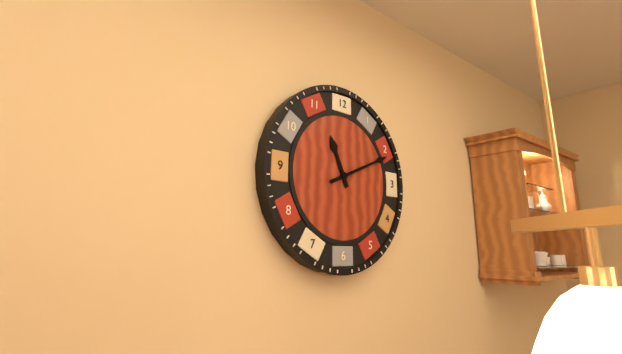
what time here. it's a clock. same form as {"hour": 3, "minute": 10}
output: {"hour": 11, "minute": 11}
